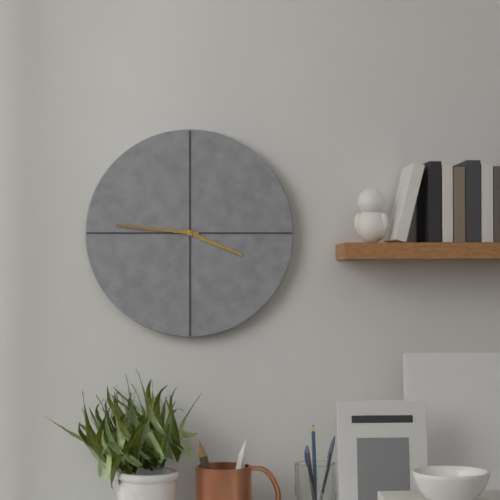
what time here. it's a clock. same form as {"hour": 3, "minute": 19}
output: {"hour": 3, "minute": 46}
